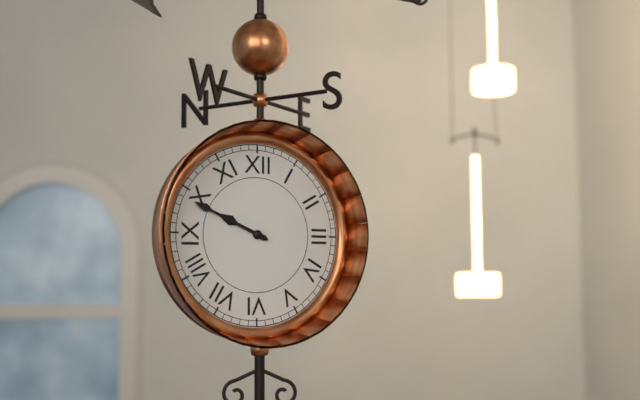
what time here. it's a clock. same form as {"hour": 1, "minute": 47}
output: {"hour": 9, "minute": 49}
